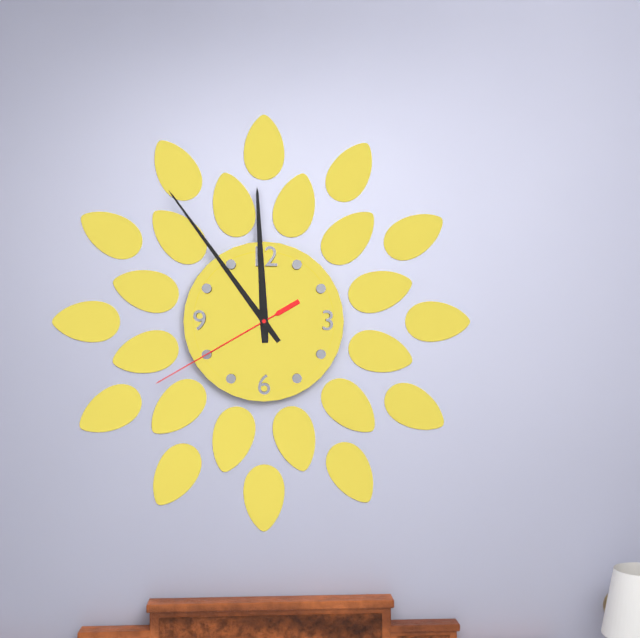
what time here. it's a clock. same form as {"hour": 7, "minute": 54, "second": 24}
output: {"hour": 11, "minute": 54, "second": 40}
